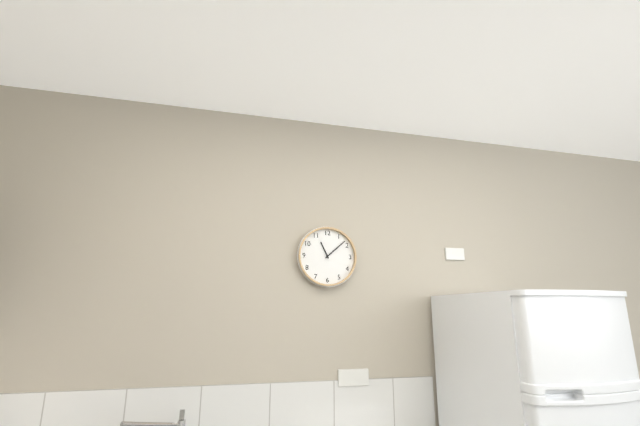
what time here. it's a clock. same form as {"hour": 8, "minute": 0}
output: {"hour": 11, "minute": 8}
